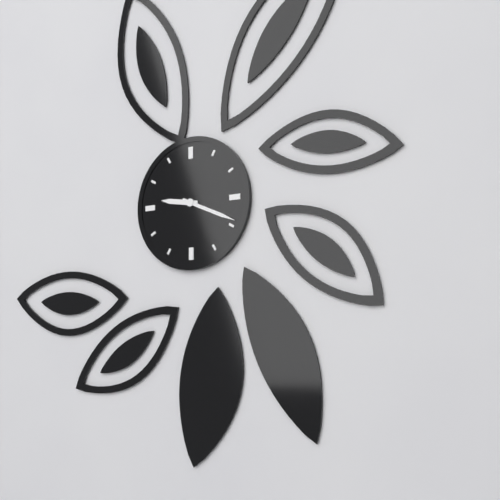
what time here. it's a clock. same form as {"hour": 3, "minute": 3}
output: {"hour": 9, "minute": 19}
